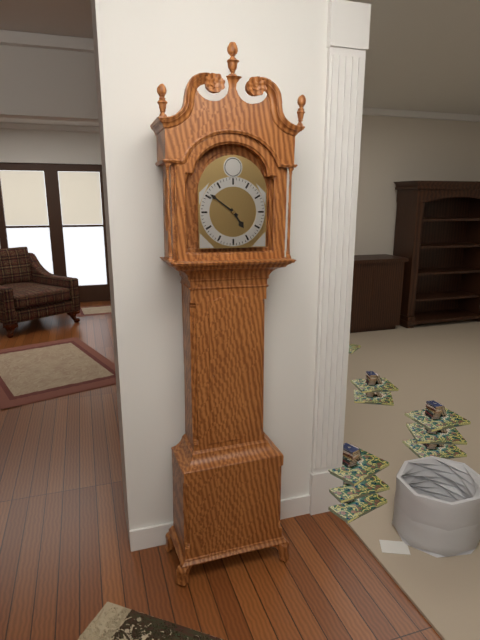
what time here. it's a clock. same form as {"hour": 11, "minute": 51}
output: {"hour": 4, "minute": 51}
